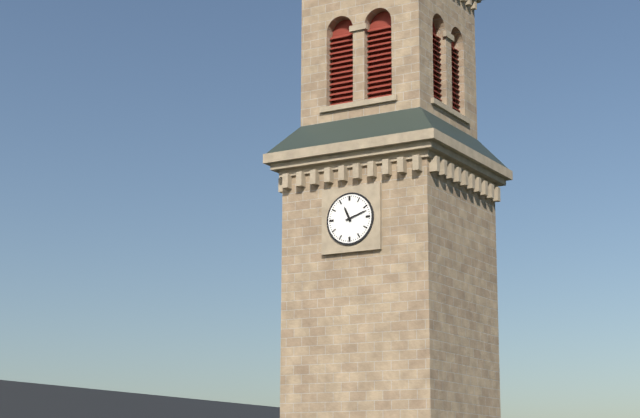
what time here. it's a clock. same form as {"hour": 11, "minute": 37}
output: {"hour": 11, "minute": 12}
